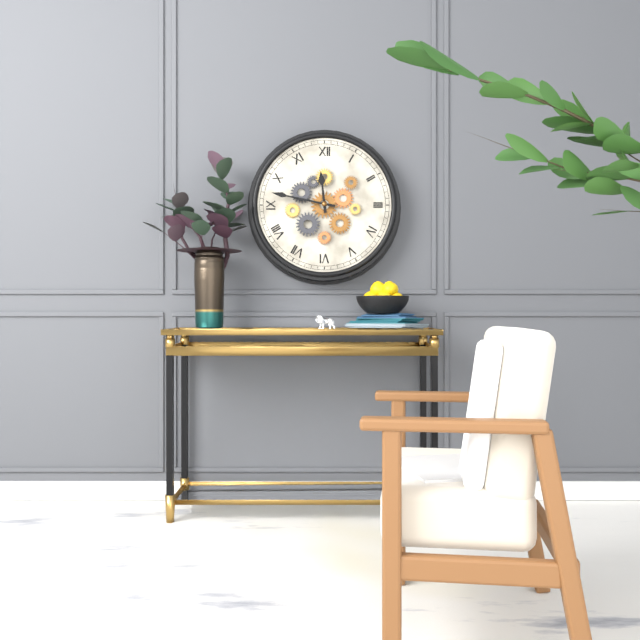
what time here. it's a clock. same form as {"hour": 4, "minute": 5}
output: {"hour": 11, "minute": 47}
